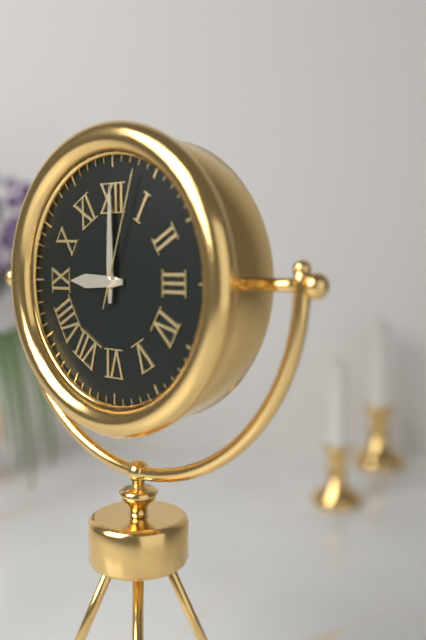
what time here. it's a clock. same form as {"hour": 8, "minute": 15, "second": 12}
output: {"hour": 9, "minute": 0, "second": 3}
